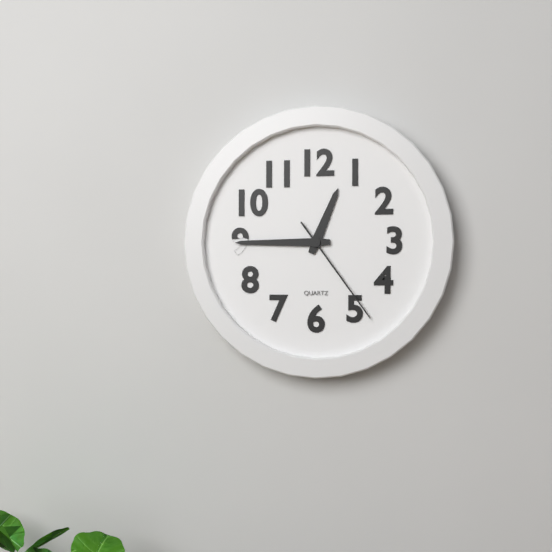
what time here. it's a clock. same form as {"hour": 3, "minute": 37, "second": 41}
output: {"hour": 12, "minute": 45, "second": 24}
